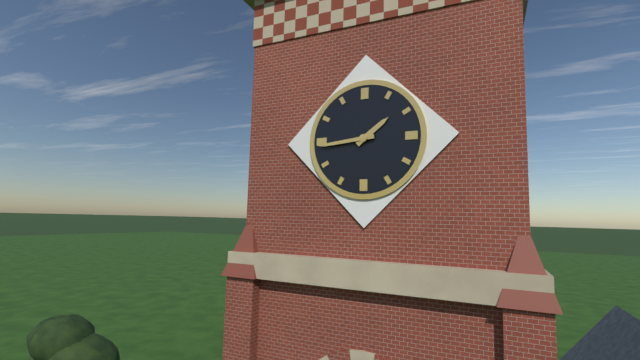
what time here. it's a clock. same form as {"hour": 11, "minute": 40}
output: {"hour": 1, "minute": 44}
